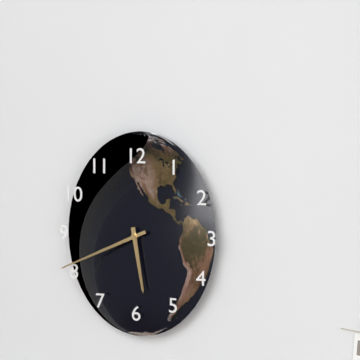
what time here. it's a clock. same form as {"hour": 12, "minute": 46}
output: {"hour": 5, "minute": 41}
